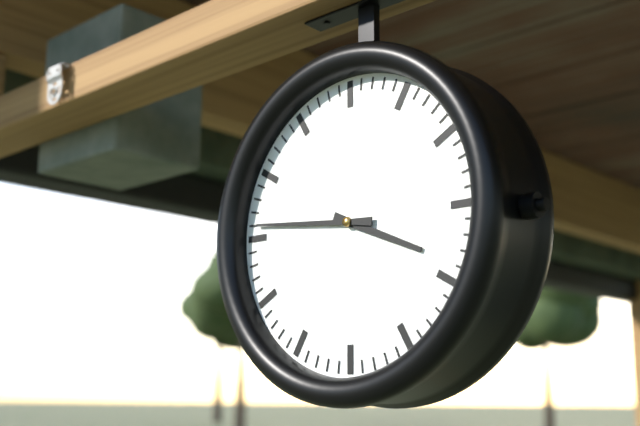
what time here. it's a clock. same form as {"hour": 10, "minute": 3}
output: {"hour": 3, "minute": 46}
